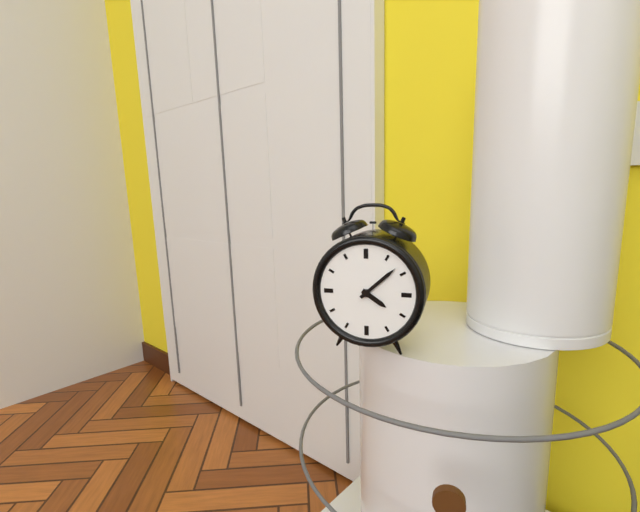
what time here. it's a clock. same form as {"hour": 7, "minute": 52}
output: {"hour": 4, "minute": 8}
